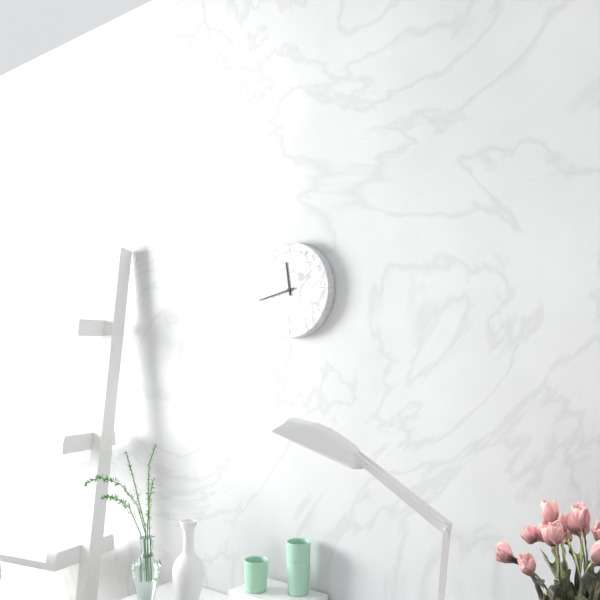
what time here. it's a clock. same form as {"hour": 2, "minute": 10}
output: {"hour": 11, "minute": 43}
